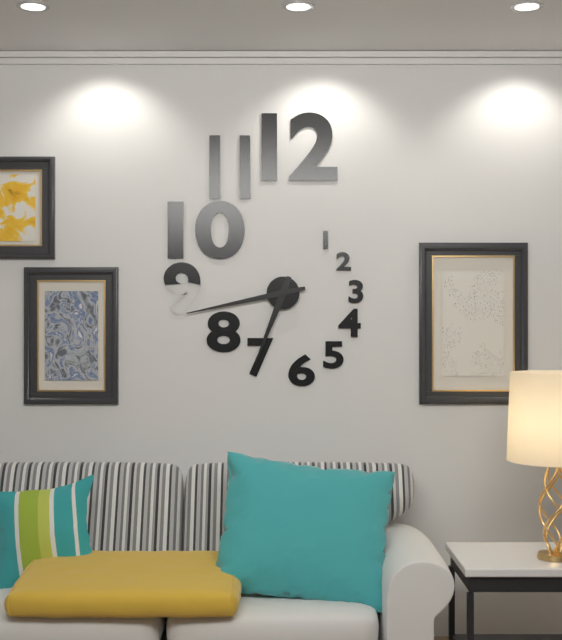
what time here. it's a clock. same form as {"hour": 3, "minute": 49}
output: {"hour": 6, "minute": 43}
